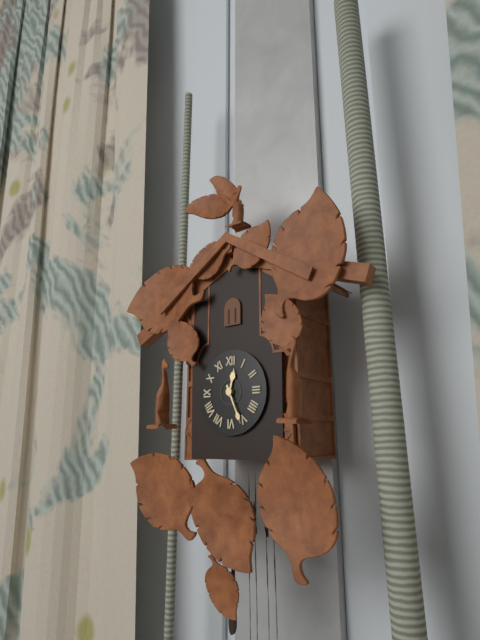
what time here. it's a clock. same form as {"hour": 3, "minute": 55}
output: {"hour": 12, "minute": 26}
